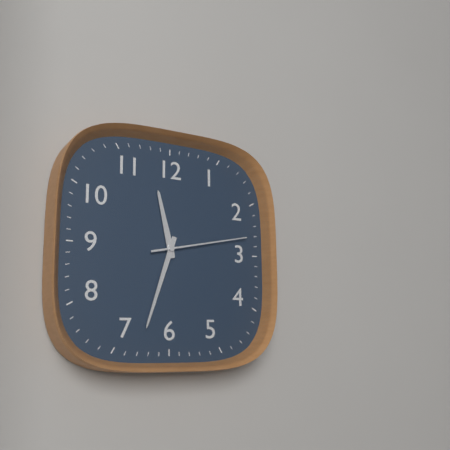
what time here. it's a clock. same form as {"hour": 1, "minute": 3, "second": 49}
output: {"hour": 11, "minute": 33, "second": 13}
